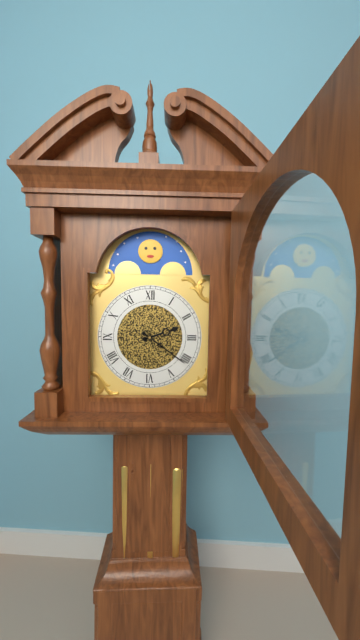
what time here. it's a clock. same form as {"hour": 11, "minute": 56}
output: {"hour": 2, "minute": 21}
